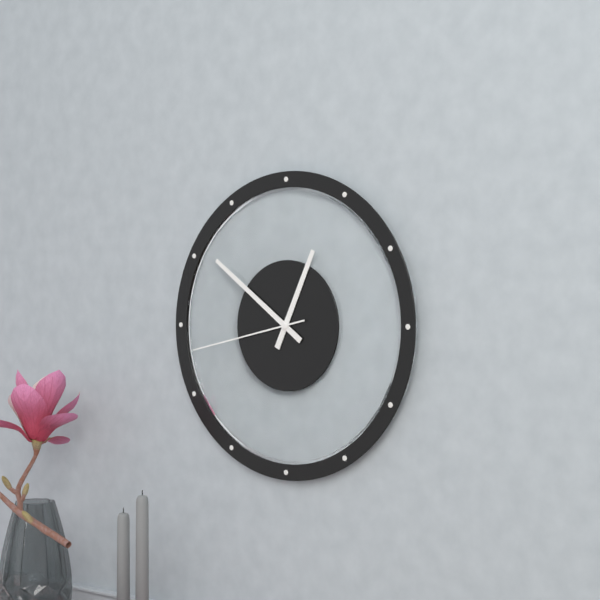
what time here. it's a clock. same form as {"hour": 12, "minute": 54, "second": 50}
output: {"hour": 12, "minute": 51, "second": 43}
